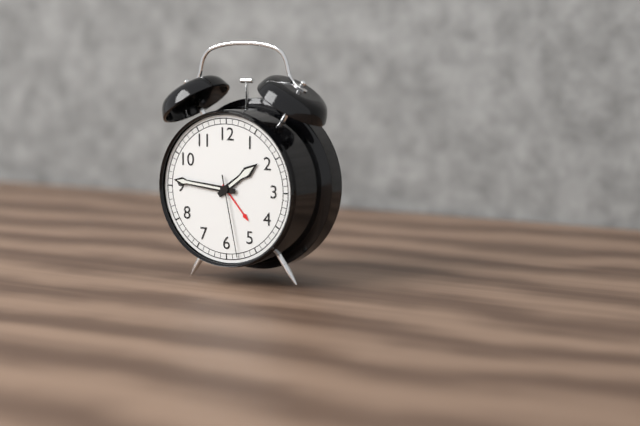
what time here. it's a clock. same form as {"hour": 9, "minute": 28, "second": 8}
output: {"hour": 1, "minute": 46, "second": 28}
